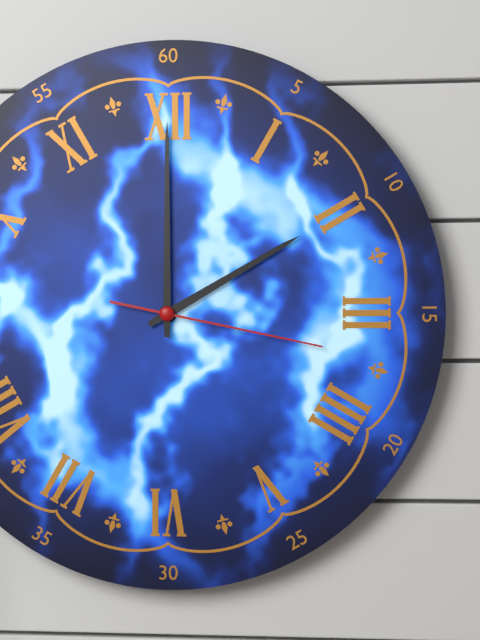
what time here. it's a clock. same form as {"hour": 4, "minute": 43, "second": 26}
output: {"hour": 2, "minute": 0, "second": 17}
